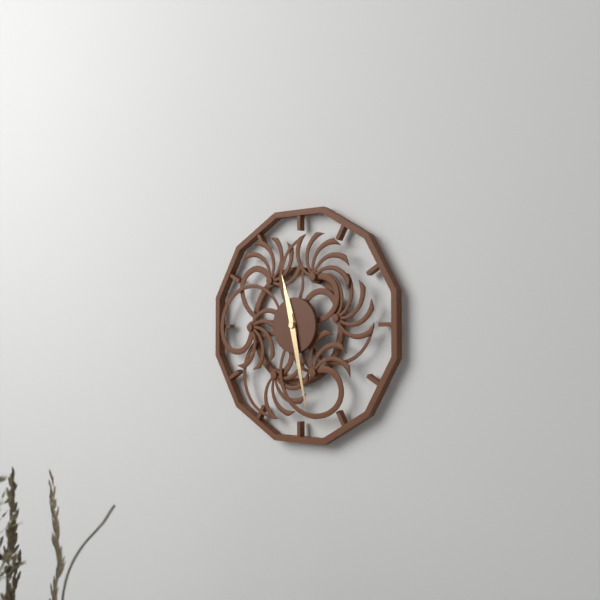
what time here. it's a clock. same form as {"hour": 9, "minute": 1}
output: {"hour": 11, "minute": 28}
